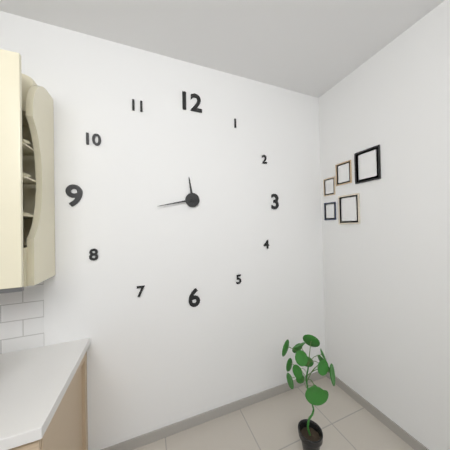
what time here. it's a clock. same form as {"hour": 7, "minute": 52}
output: {"hour": 11, "minute": 43}
